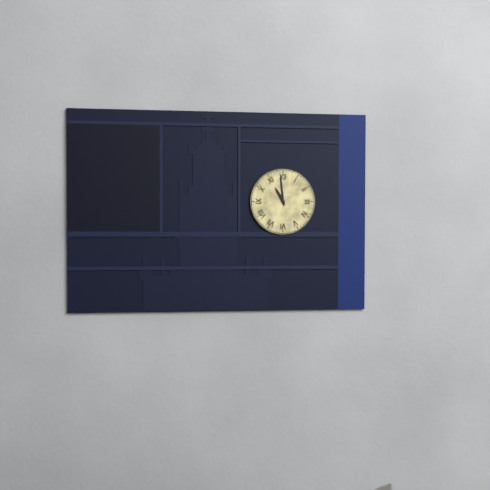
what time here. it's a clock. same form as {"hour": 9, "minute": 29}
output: {"hour": 10, "minute": 59}
